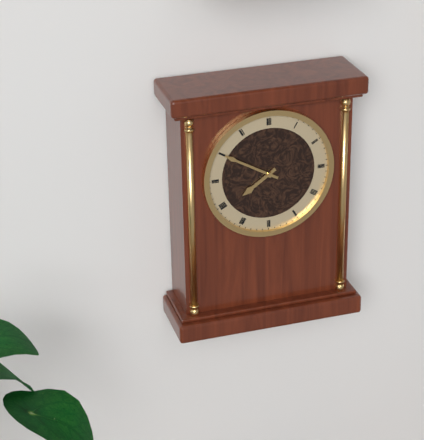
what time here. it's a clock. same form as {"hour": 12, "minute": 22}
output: {"hour": 7, "minute": 50}
